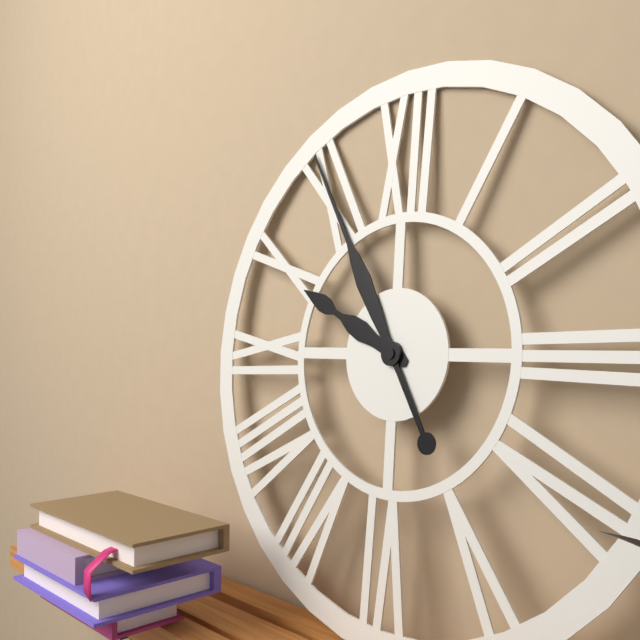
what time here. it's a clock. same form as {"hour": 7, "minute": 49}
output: {"hour": 9, "minute": 55}
